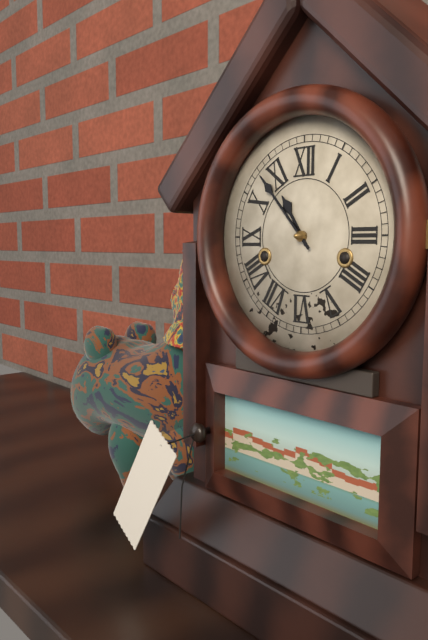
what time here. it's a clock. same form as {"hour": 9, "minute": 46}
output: {"hour": 10, "minute": 53}
